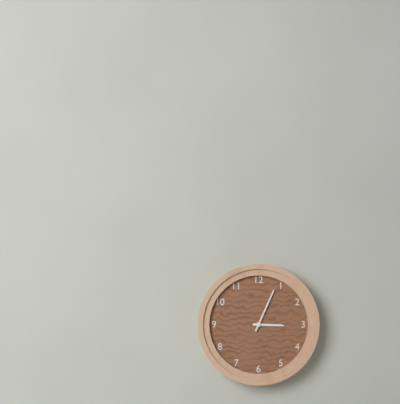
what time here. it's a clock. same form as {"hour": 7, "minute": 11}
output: {"hour": 3, "minute": 4}
